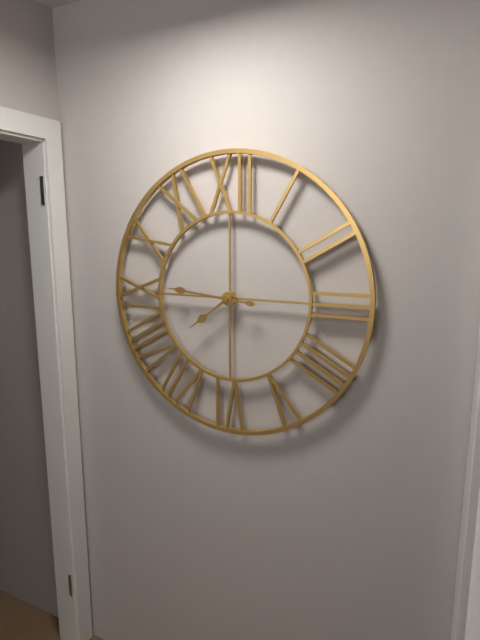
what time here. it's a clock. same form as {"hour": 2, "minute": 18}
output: {"hour": 7, "minute": 46}
